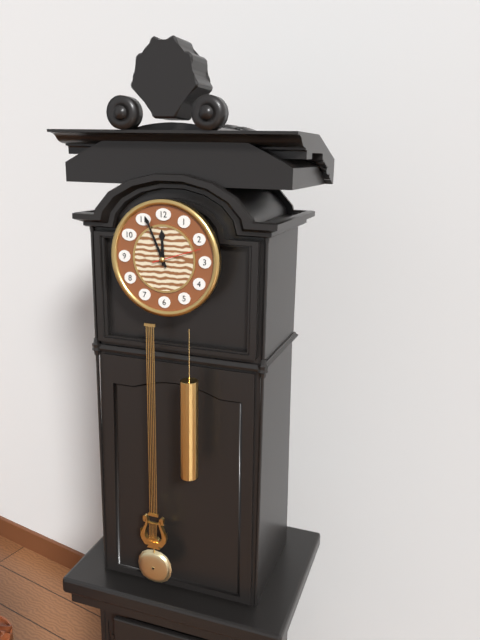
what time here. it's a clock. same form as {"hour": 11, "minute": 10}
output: {"hour": 11, "minute": 56}
